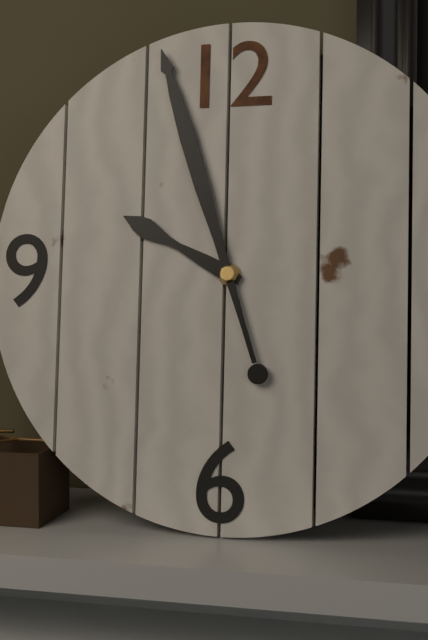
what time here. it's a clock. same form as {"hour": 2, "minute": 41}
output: {"hour": 9, "minute": 57}
